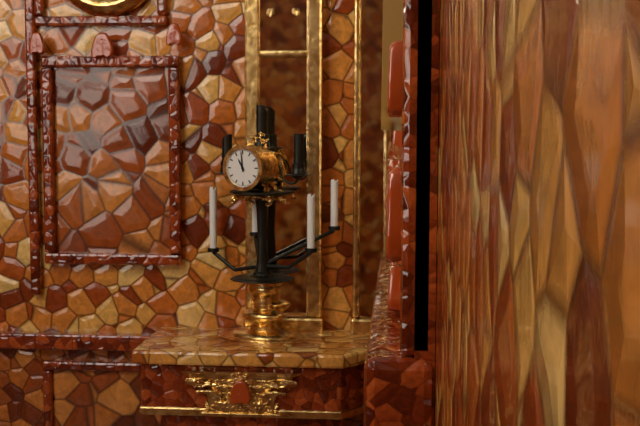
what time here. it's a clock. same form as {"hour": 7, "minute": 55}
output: {"hour": 10, "minute": 59}
